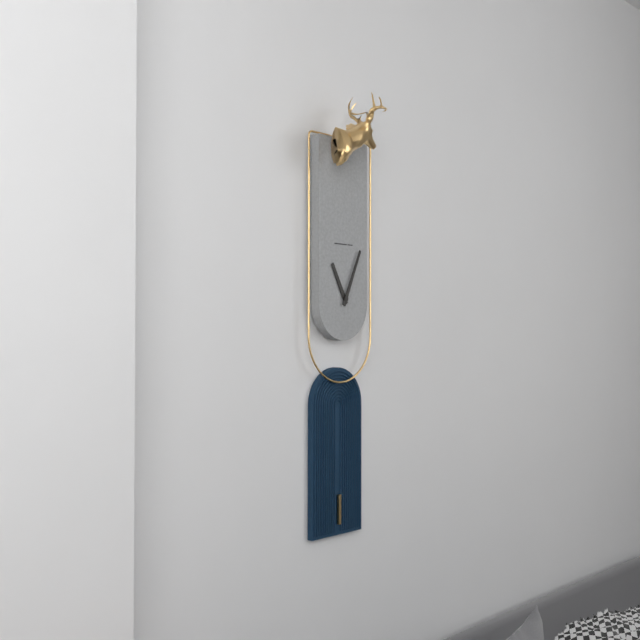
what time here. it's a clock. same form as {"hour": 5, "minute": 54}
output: {"hour": 11, "minute": 4}
